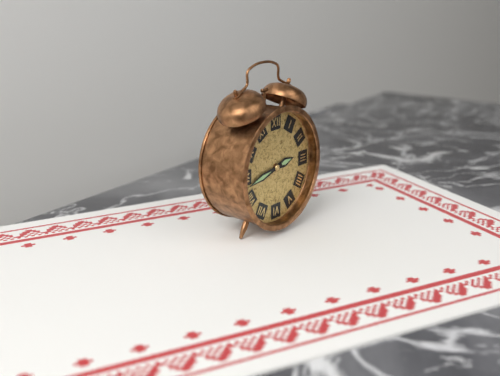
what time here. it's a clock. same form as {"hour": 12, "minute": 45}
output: {"hour": 2, "minute": 43}
